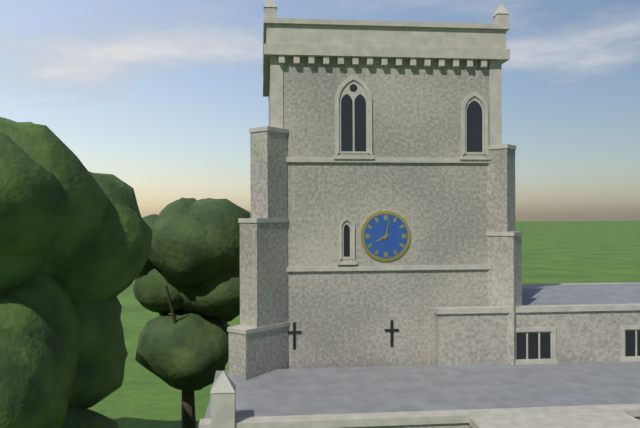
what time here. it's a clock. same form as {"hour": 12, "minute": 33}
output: {"hour": 8, "minute": 2}
